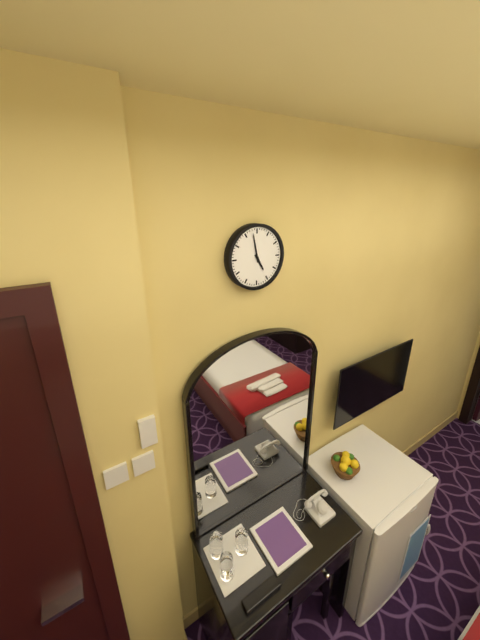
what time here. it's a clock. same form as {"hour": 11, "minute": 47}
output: {"hour": 4, "minute": 58}
